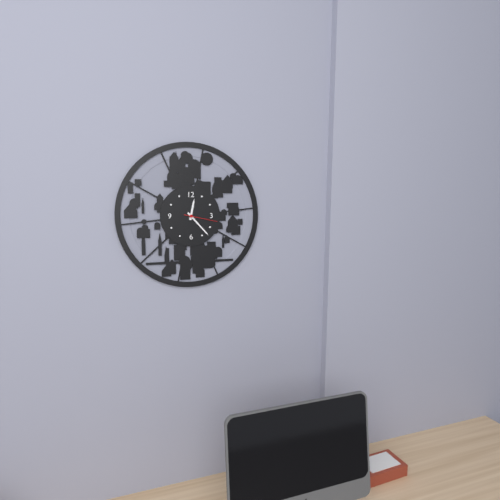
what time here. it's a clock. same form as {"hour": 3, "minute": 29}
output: {"hour": 12, "minute": 23}
